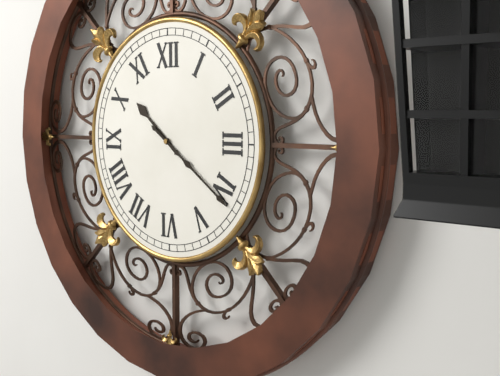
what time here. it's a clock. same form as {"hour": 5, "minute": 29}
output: {"hour": 10, "minute": 21}
